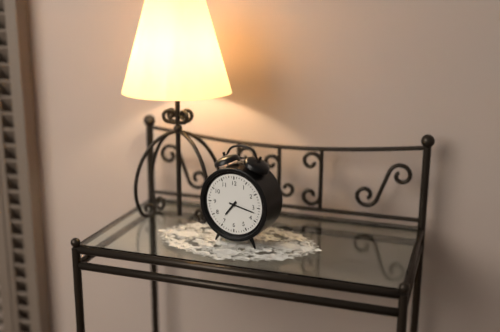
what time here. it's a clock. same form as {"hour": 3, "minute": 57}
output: {"hour": 7, "minute": 17}
